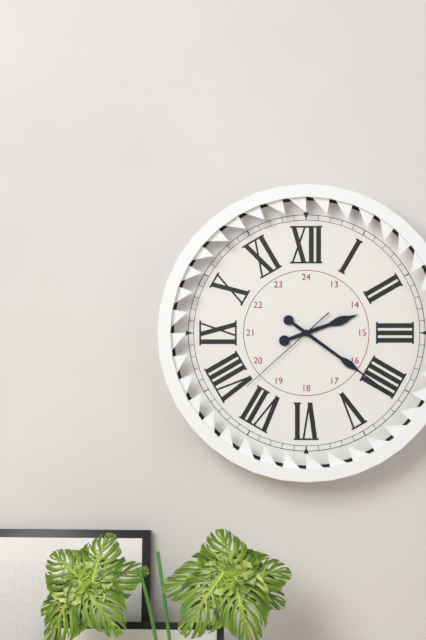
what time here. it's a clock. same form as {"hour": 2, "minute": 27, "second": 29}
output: {"hour": 2, "minute": 21, "second": 38}
